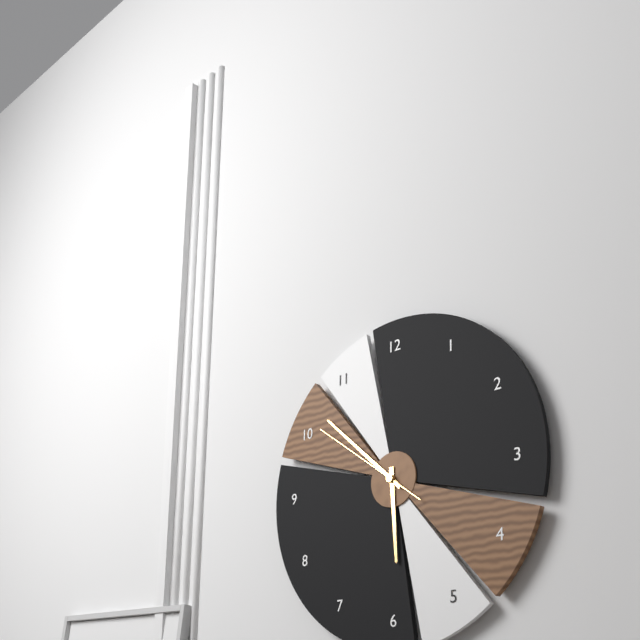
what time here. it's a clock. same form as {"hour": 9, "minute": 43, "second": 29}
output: {"hour": 5, "minute": 52, "second": 51}
